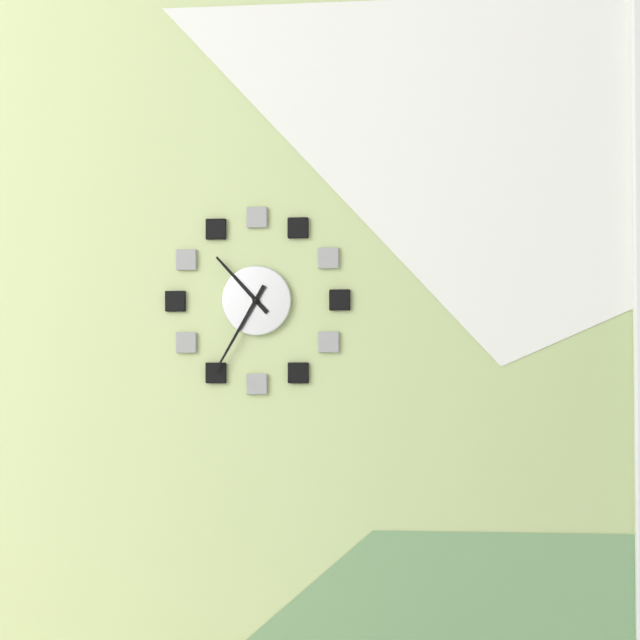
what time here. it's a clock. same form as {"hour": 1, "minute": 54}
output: {"hour": 10, "minute": 35}
